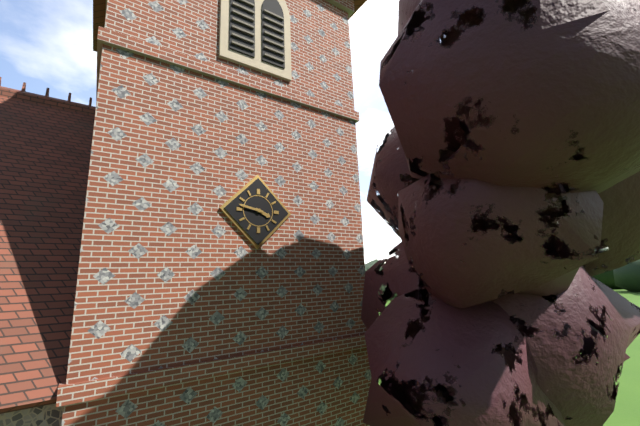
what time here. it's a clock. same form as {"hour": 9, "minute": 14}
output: {"hour": 3, "minute": 47}
